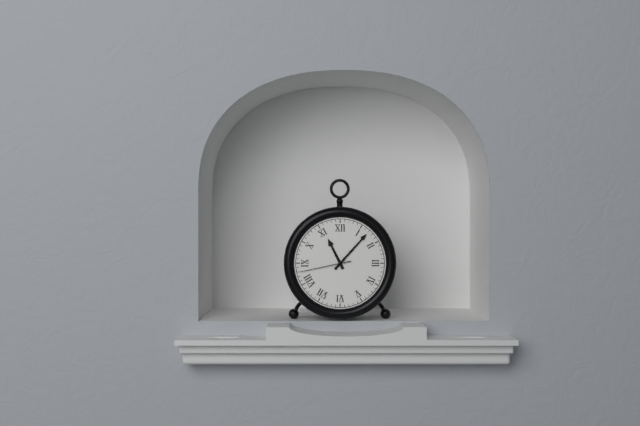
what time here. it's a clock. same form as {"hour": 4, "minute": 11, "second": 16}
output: {"hour": 11, "minute": 7, "second": 43}
